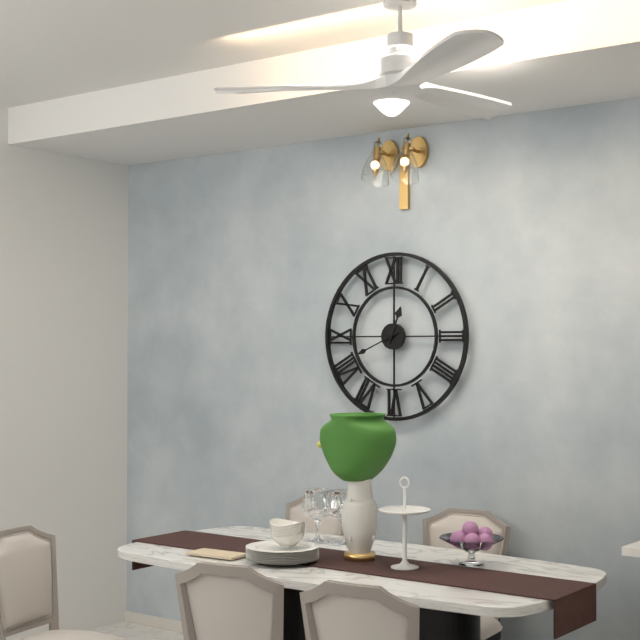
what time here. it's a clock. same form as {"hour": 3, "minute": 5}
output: {"hour": 12, "minute": 41}
